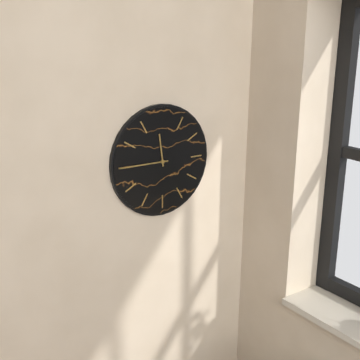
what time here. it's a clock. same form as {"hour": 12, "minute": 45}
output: {"hour": 11, "minute": 45}
